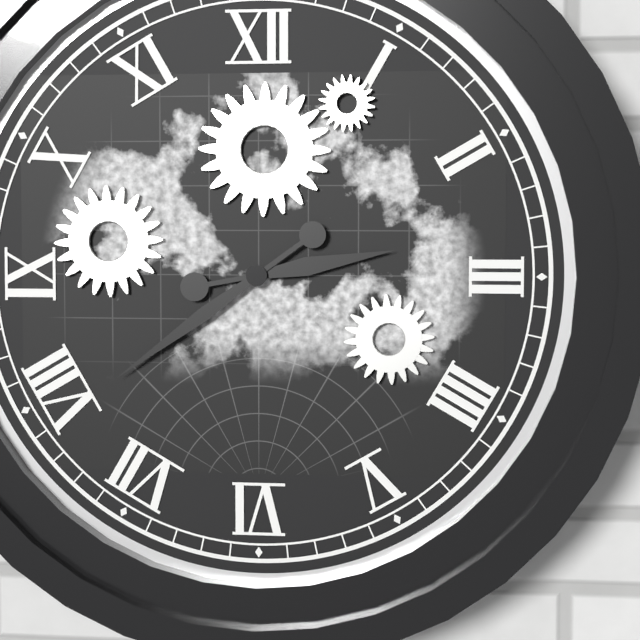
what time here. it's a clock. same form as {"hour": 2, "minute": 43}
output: {"hour": 2, "minute": 39}
